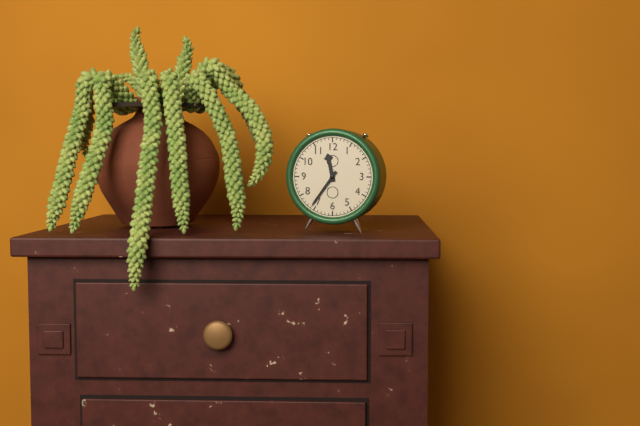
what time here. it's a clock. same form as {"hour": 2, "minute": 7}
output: {"hour": 11, "minute": 36}
